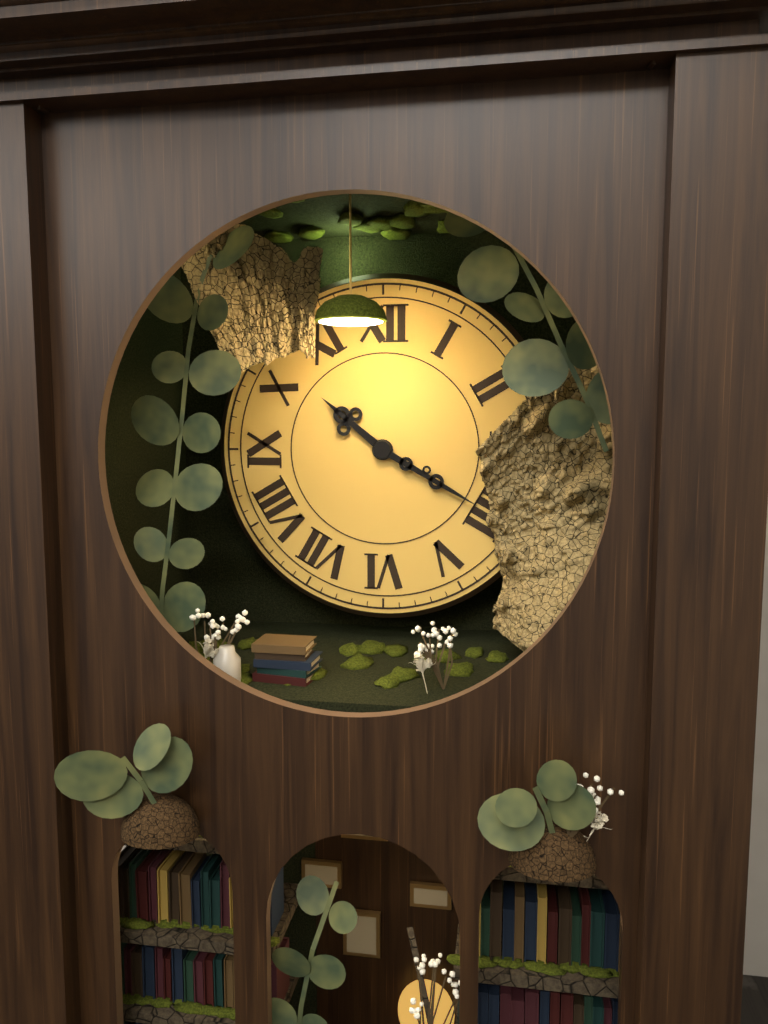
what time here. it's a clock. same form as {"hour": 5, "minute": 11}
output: {"hour": 10, "minute": 20}
